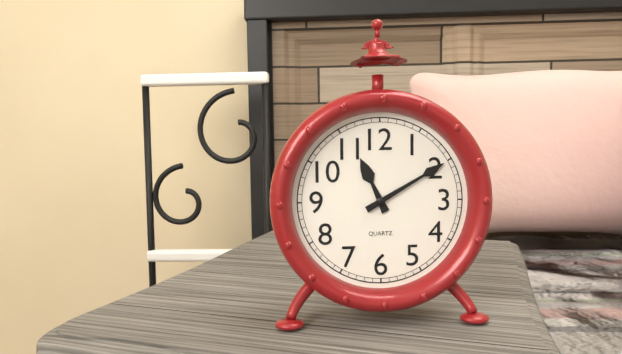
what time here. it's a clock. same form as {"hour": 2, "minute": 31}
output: {"hour": 11, "minute": 10}
